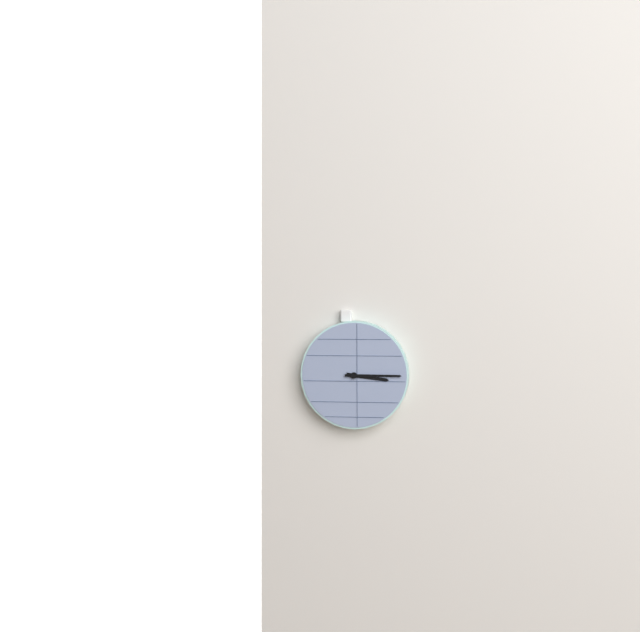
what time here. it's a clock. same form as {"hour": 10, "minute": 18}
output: {"hour": 3, "minute": 15}
